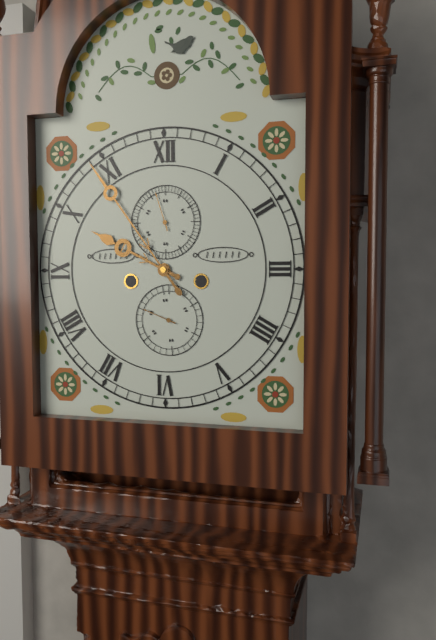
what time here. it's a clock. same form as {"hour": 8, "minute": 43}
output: {"hour": 9, "minute": 54}
